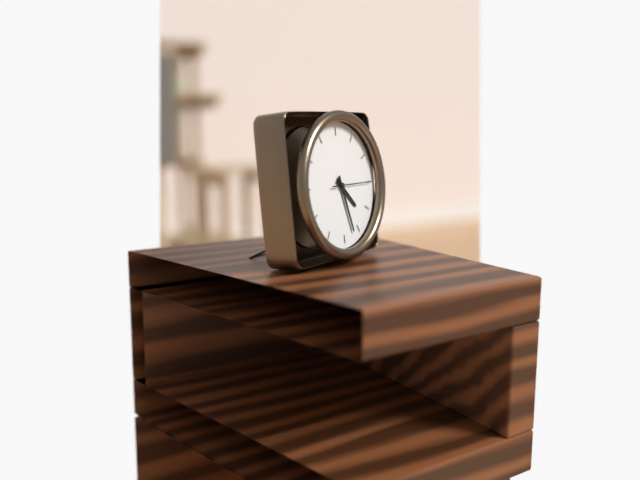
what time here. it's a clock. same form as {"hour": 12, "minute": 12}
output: {"hour": 4, "minute": 27}
